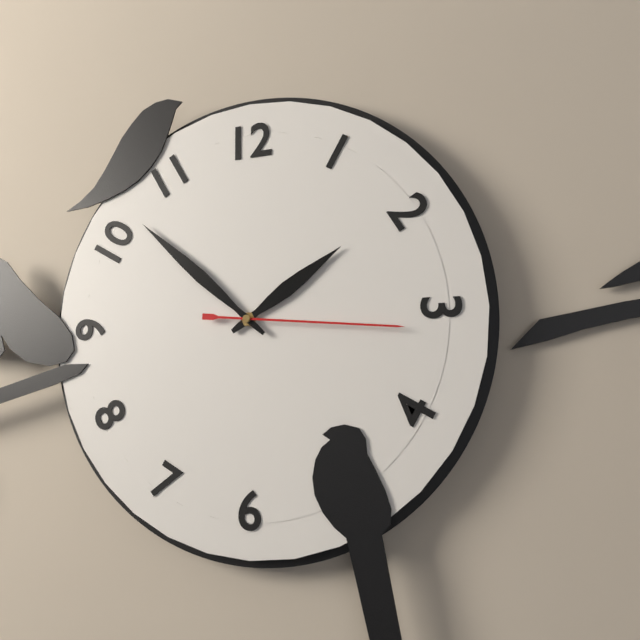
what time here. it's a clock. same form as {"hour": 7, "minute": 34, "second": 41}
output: {"hour": 1, "minute": 52, "second": 16}
